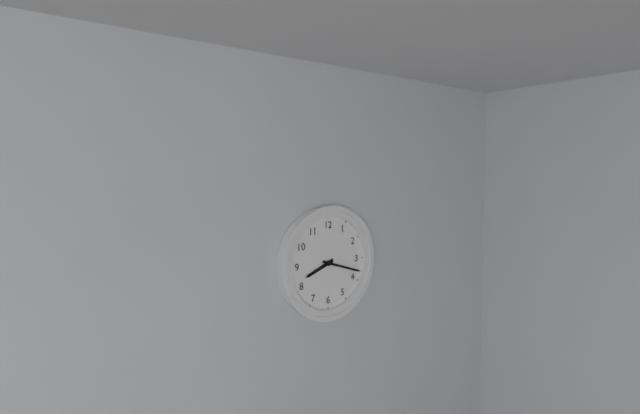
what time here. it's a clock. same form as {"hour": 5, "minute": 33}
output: {"hour": 8, "minute": 18}
